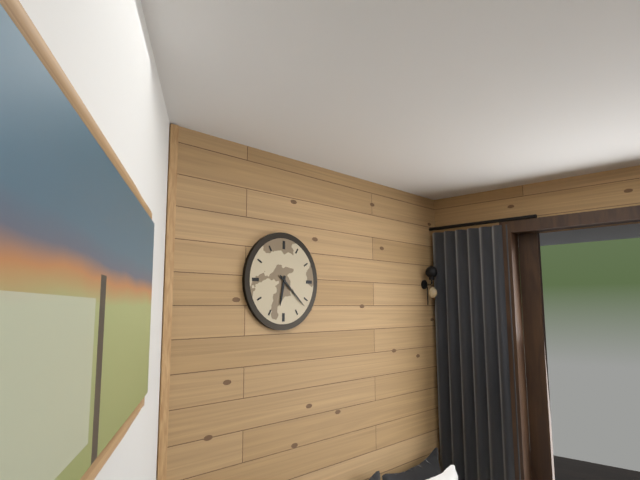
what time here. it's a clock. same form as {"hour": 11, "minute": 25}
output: {"hour": 6, "minute": 22}
